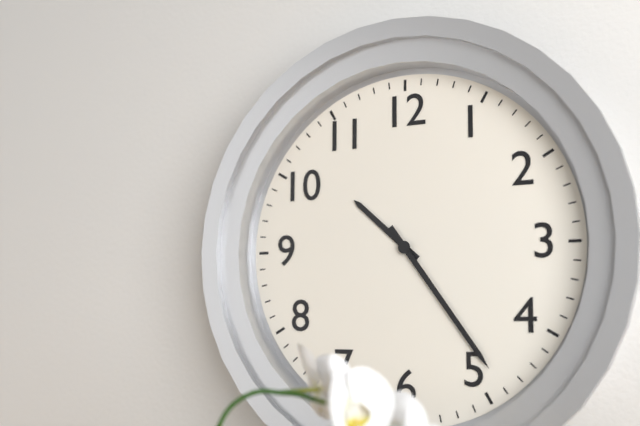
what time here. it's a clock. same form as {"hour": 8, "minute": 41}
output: {"hour": 10, "minute": 24}
